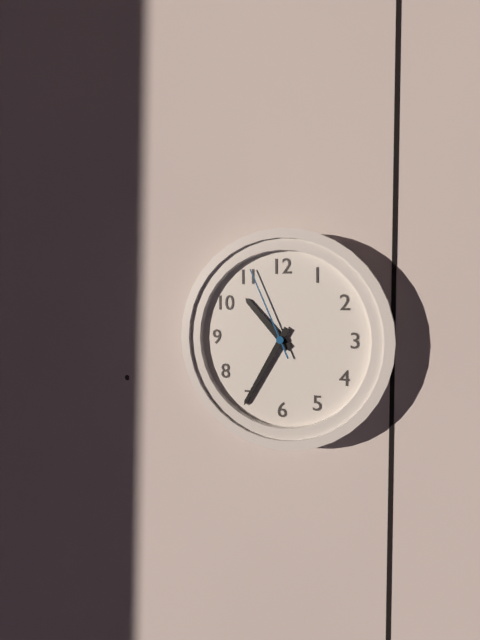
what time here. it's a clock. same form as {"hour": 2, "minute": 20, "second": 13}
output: {"hour": 10, "minute": 35, "second": 56}
